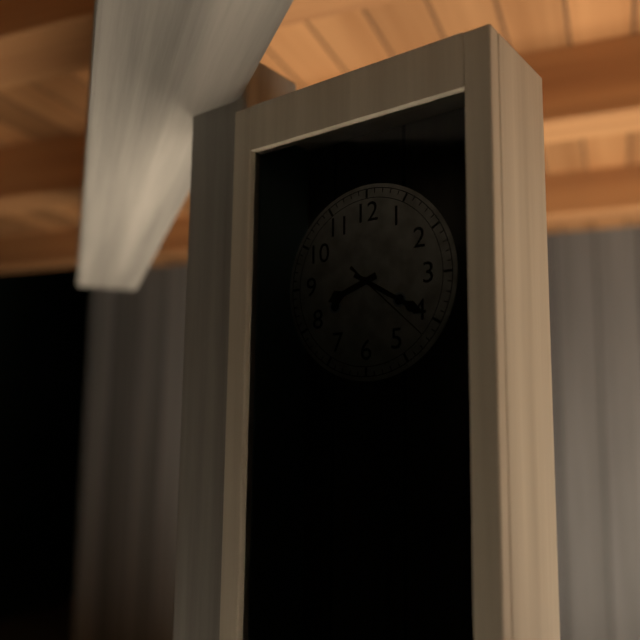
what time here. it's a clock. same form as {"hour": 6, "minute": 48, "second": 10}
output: {"hour": 8, "minute": 20, "second": 22}
